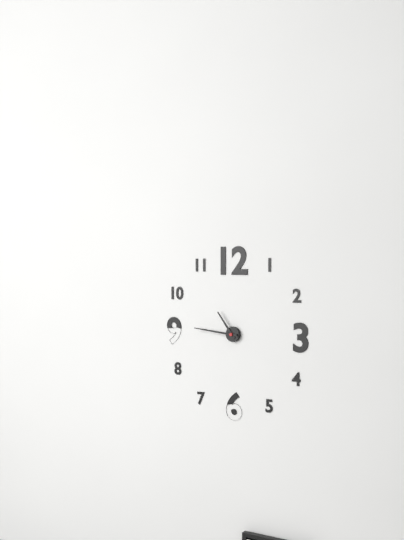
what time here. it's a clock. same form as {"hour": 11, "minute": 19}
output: {"hour": 10, "minute": 46}
